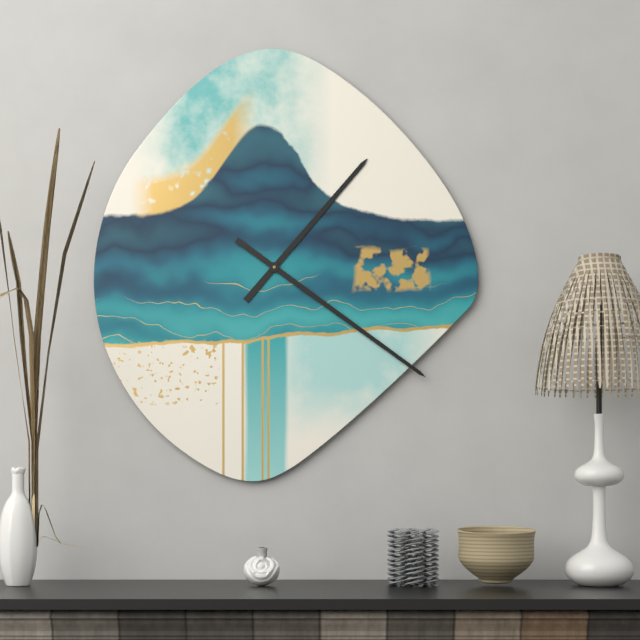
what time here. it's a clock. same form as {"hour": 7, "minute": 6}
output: {"hour": 1, "minute": 21}
